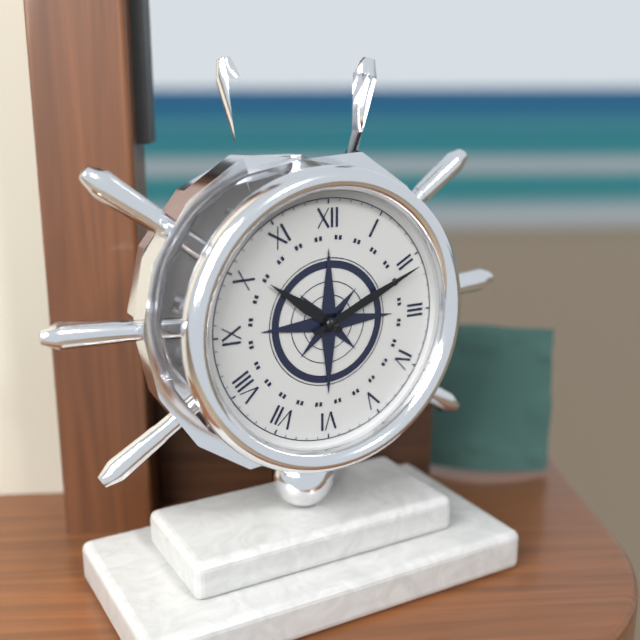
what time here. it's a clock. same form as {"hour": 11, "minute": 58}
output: {"hour": 10, "minute": 11}
